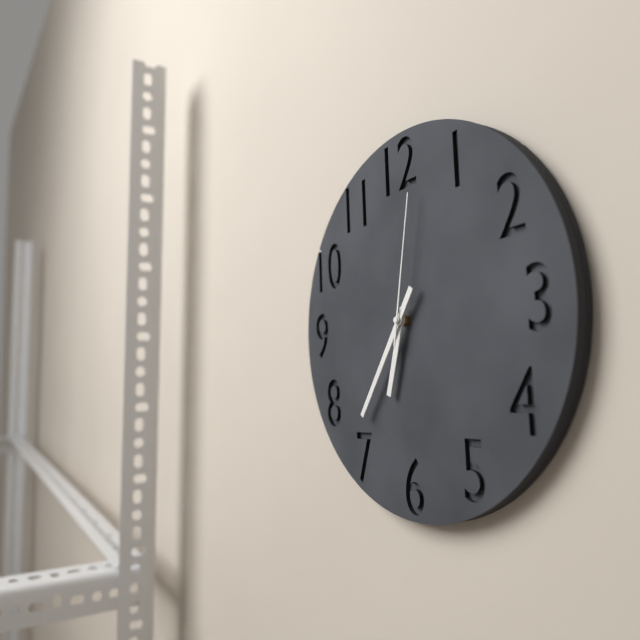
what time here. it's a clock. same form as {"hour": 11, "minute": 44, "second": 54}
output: {"hour": 6, "minute": 36, "second": 2}
